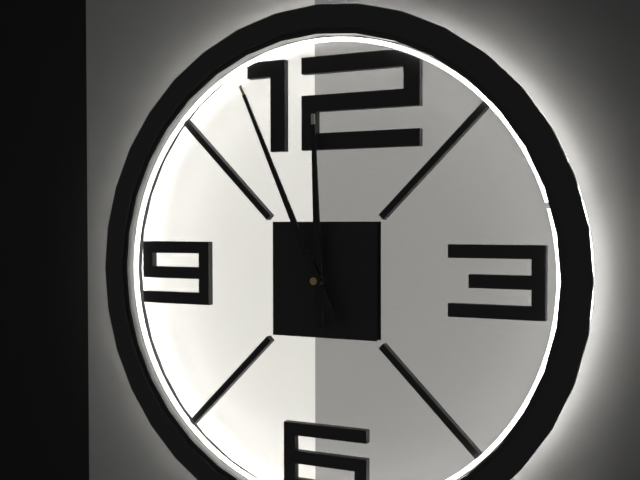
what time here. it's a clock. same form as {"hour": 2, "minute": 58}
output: {"hour": 11, "minute": 56}
